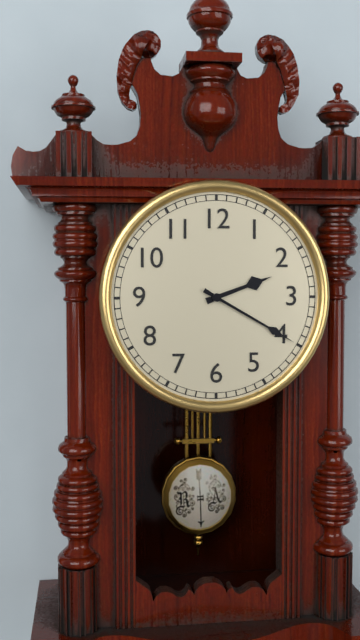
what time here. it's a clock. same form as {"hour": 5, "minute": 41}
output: {"hour": 2, "minute": 20}
